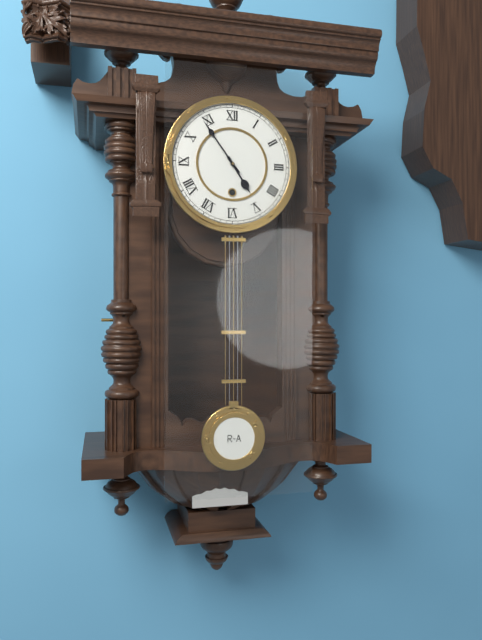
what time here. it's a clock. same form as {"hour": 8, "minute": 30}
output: {"hour": 4, "minute": 54}
